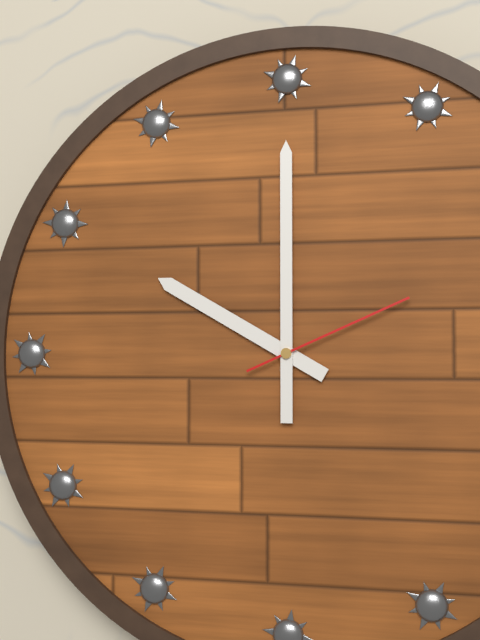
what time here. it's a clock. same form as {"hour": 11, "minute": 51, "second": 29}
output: {"hour": 10, "minute": 0, "second": 11}
